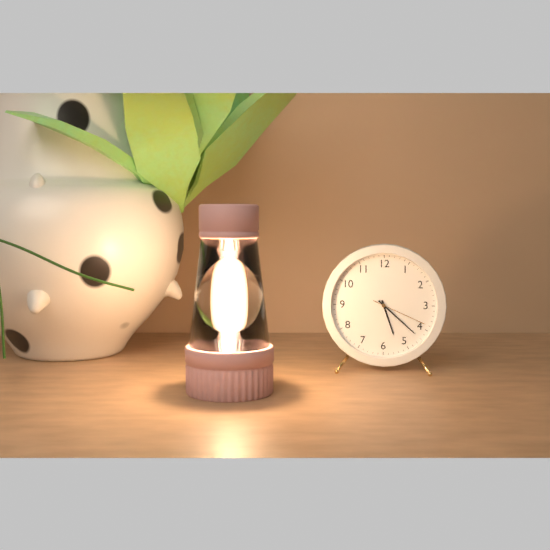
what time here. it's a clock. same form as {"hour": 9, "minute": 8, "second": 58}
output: {"hour": 5, "minute": 22, "second": 19}
